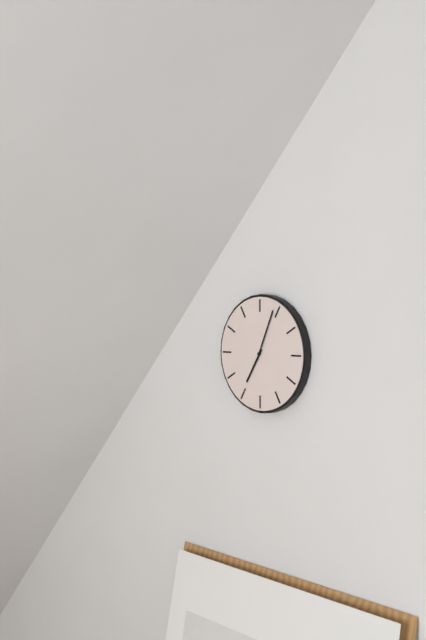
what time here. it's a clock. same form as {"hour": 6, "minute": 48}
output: {"hour": 7, "minute": 4}
